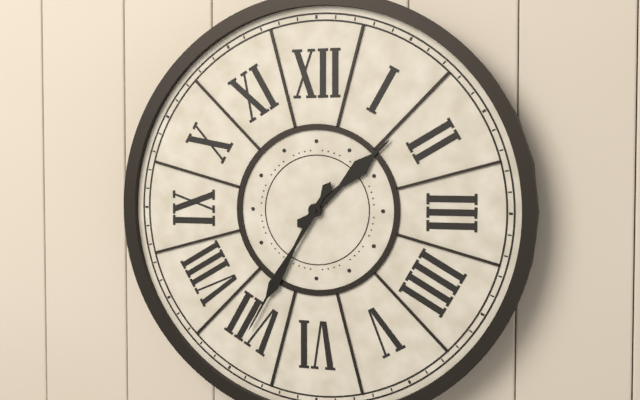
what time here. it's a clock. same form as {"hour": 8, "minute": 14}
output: {"hour": 1, "minute": 35}
